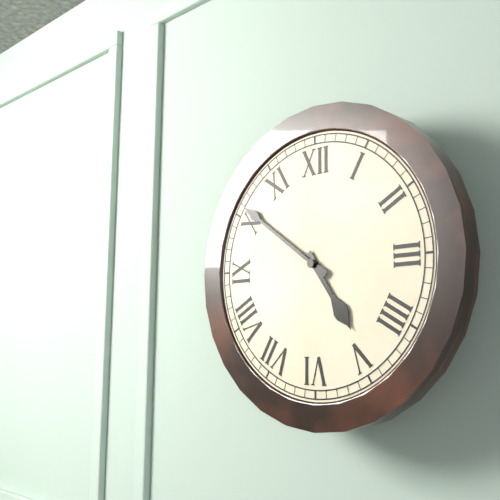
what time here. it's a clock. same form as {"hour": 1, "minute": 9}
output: {"hour": 4, "minute": 51}
